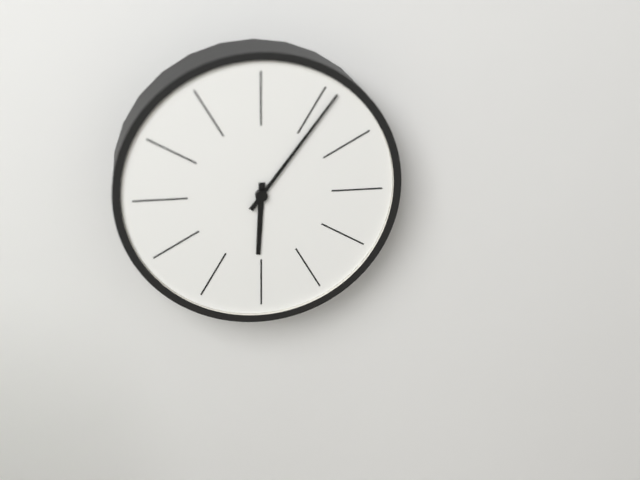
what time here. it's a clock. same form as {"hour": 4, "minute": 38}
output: {"hour": 6, "minute": 6}
